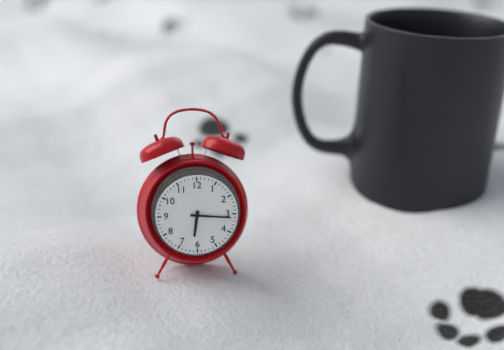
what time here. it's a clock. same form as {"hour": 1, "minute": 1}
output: {"hour": 6, "minute": 16}
